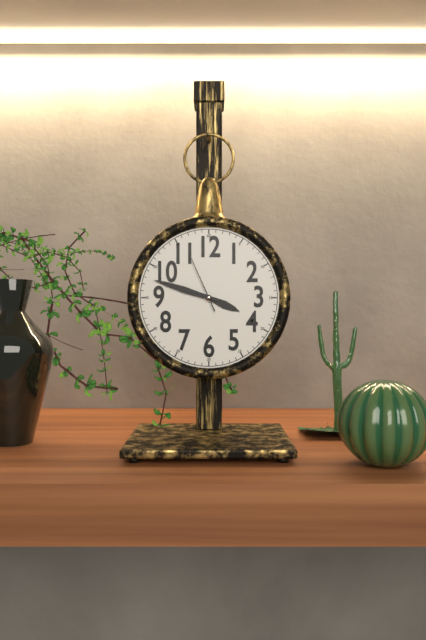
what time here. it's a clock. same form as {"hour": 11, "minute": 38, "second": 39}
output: {"hour": 3, "minute": 48, "second": 56}
